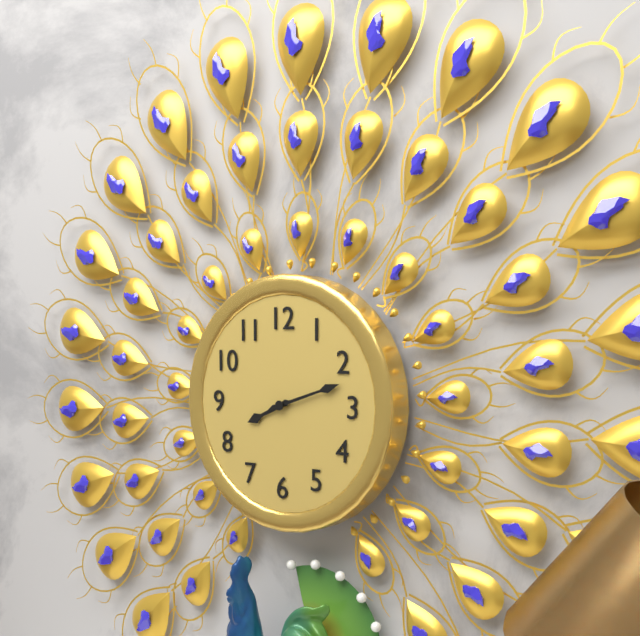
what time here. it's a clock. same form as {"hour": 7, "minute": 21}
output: {"hour": 8, "minute": 12}
